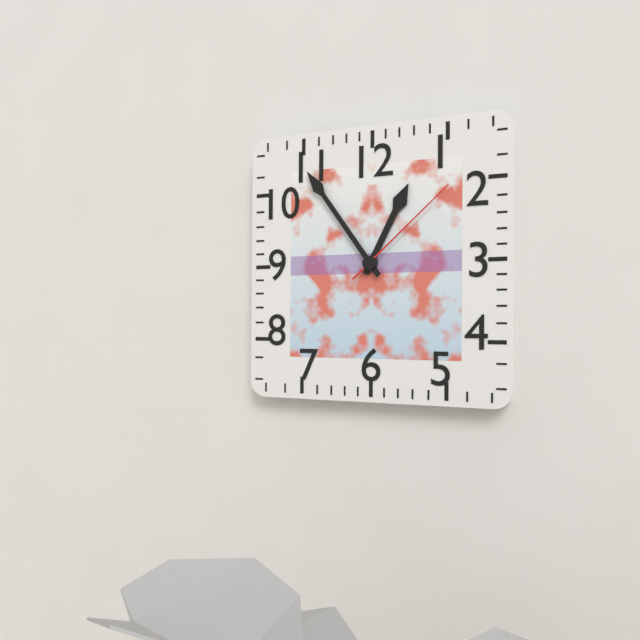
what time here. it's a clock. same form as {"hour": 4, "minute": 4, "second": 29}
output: {"hour": 12, "minute": 54, "second": 8}
